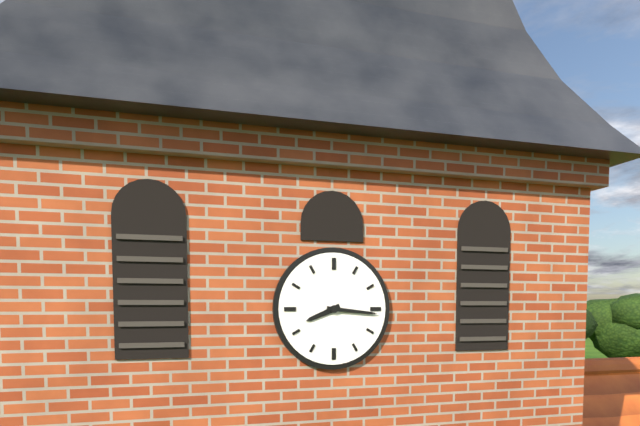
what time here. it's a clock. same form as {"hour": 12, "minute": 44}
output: {"hour": 8, "minute": 16}
